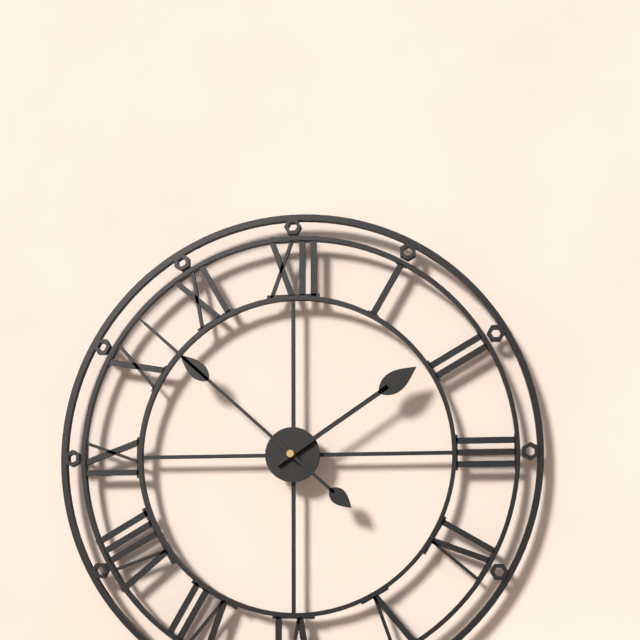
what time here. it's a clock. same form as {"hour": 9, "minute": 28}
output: {"hour": 1, "minute": 52}
